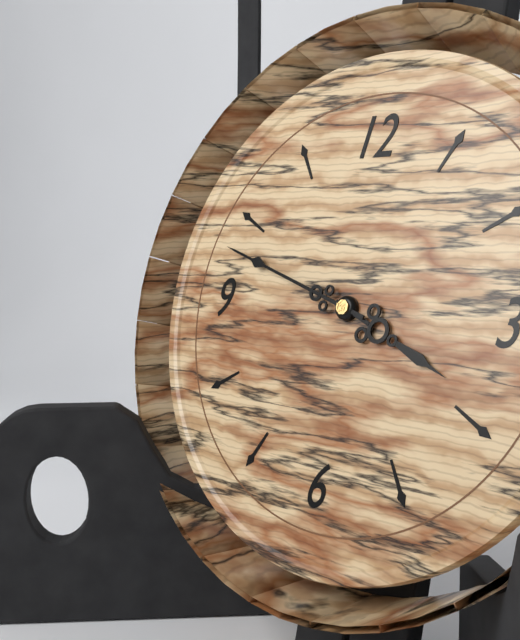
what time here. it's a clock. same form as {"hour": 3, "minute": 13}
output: {"hour": 3, "minute": 48}
